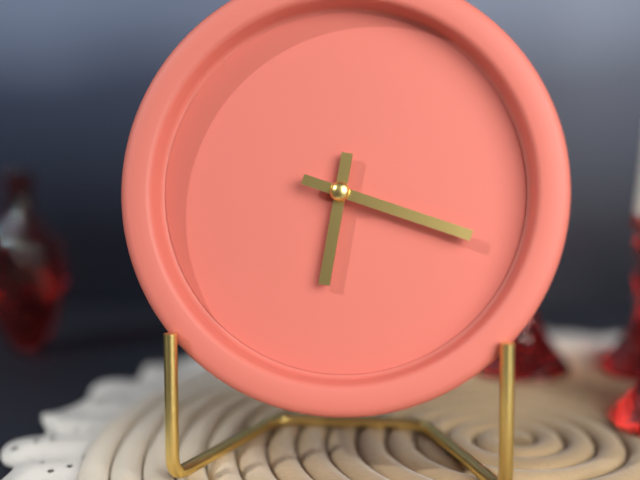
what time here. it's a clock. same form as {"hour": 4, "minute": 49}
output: {"hour": 6, "minute": 18}
